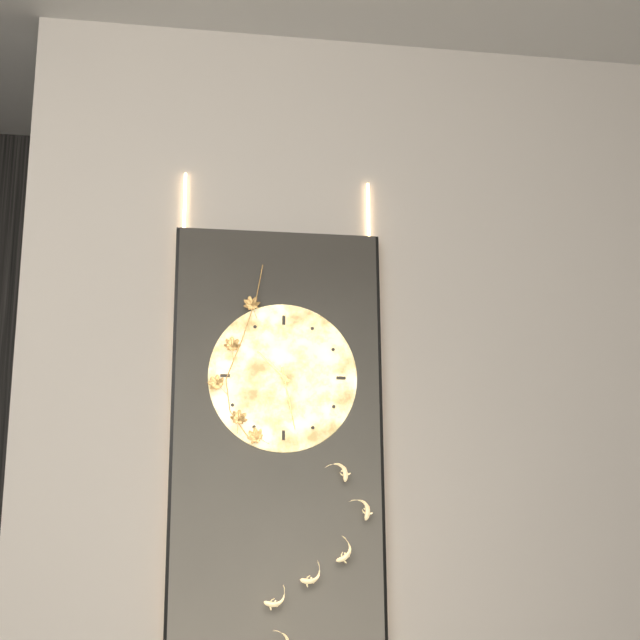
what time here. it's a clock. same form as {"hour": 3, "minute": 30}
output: {"hour": 10, "minute": 28}
